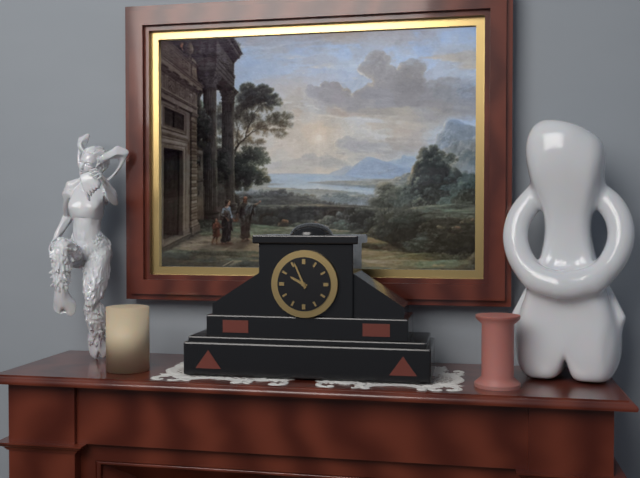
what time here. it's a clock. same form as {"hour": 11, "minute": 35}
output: {"hour": 9, "minute": 56}
